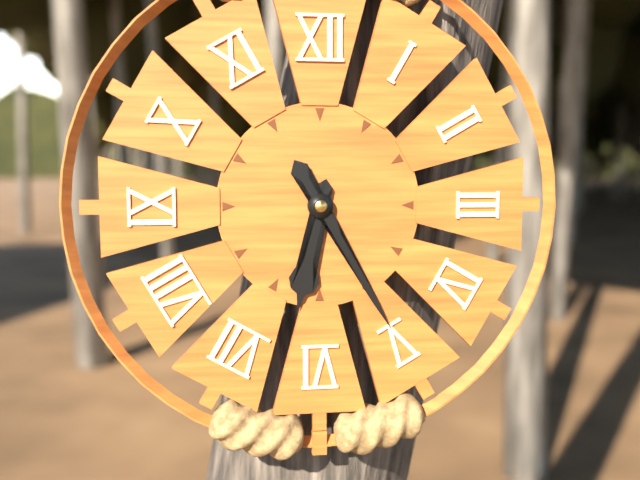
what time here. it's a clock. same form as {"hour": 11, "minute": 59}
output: {"hour": 6, "minute": 25}
